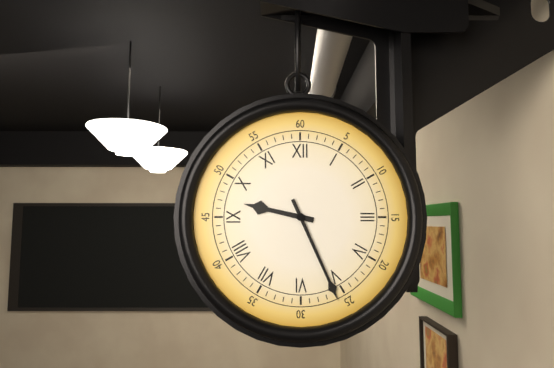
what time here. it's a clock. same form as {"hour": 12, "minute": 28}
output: {"hour": 9, "minute": 26}
